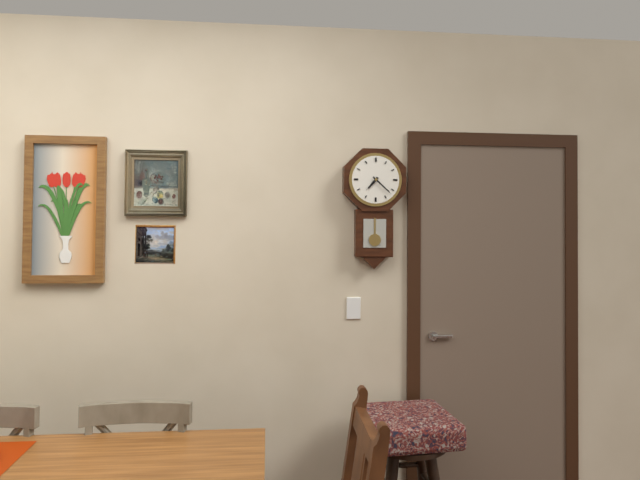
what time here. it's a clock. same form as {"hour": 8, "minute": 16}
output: {"hour": 7, "minute": 22}
